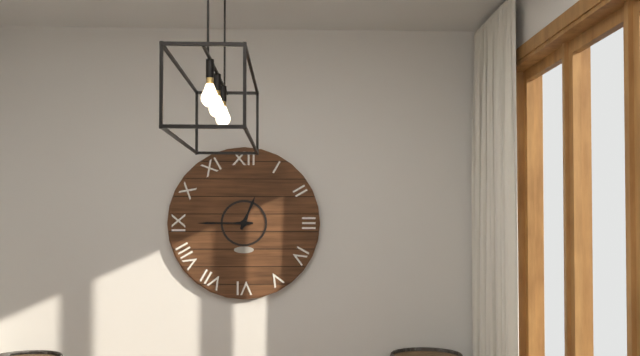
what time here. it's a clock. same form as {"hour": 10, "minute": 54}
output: {"hour": 12, "minute": 45}
